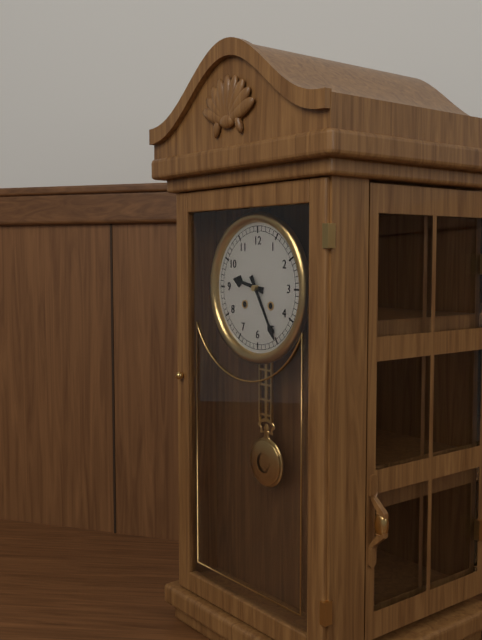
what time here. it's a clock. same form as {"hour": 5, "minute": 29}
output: {"hour": 9, "minute": 25}
